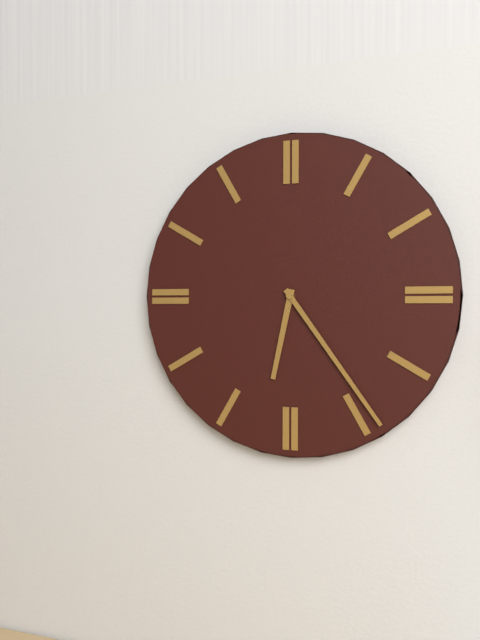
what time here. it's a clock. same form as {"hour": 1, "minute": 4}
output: {"hour": 6, "minute": 24}
